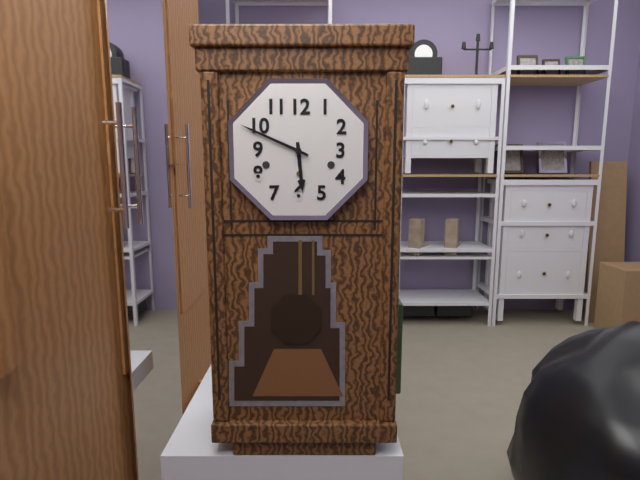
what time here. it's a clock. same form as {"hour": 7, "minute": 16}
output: {"hour": 5, "minute": 49}
